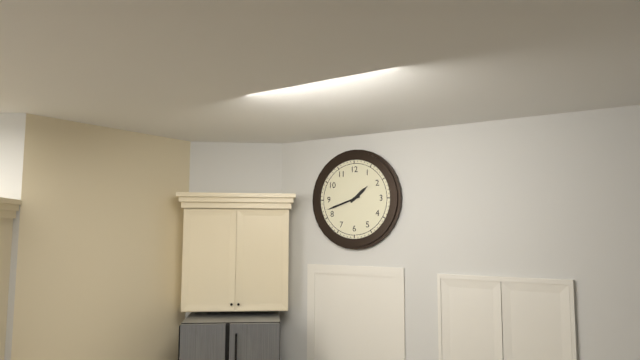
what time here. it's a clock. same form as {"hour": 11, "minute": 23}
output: {"hour": 1, "minute": 42}
